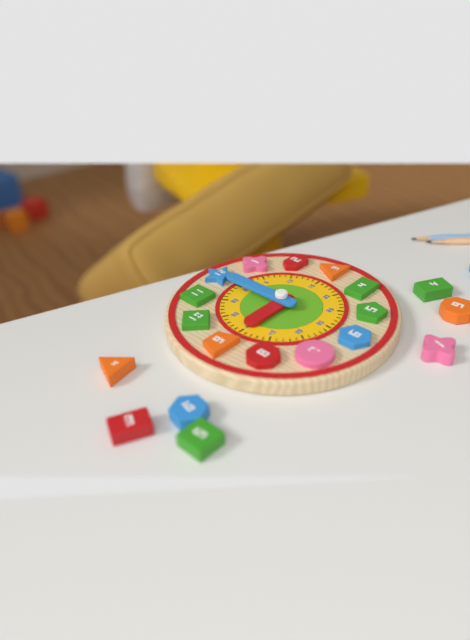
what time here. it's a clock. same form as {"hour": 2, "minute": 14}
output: {"hour": 9, "minute": 0}
